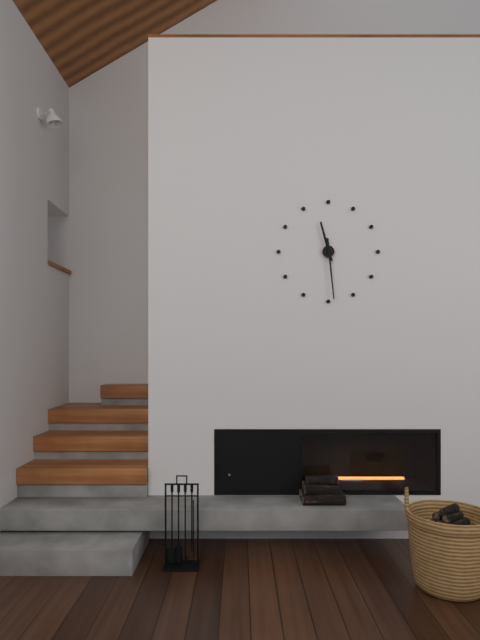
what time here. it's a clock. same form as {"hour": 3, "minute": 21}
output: {"hour": 11, "minute": 29}
